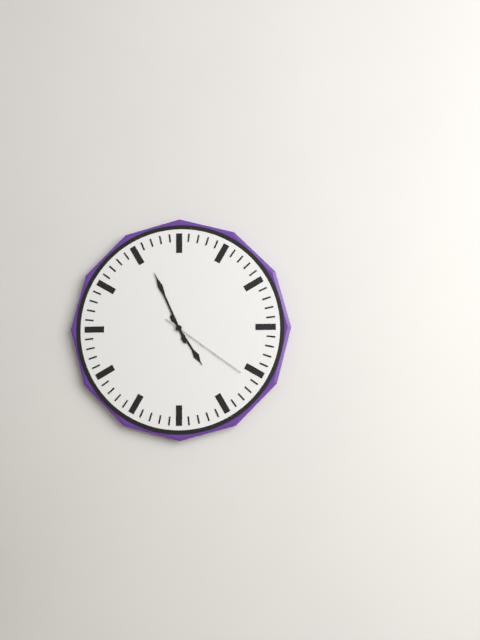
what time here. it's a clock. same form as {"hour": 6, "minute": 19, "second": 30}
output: {"hour": 4, "minute": 56, "second": 21}
